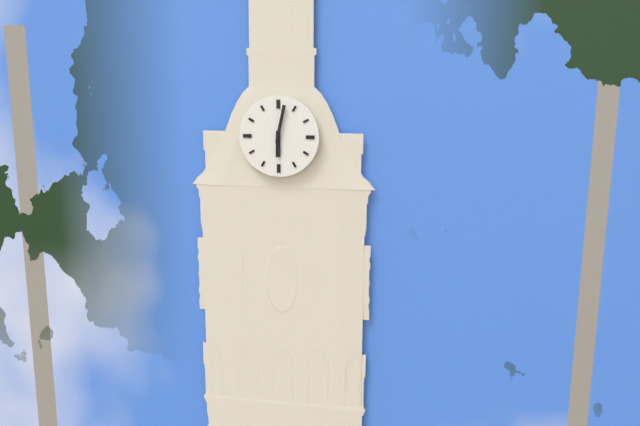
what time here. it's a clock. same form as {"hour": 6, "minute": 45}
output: {"hour": 6, "minute": 2}
